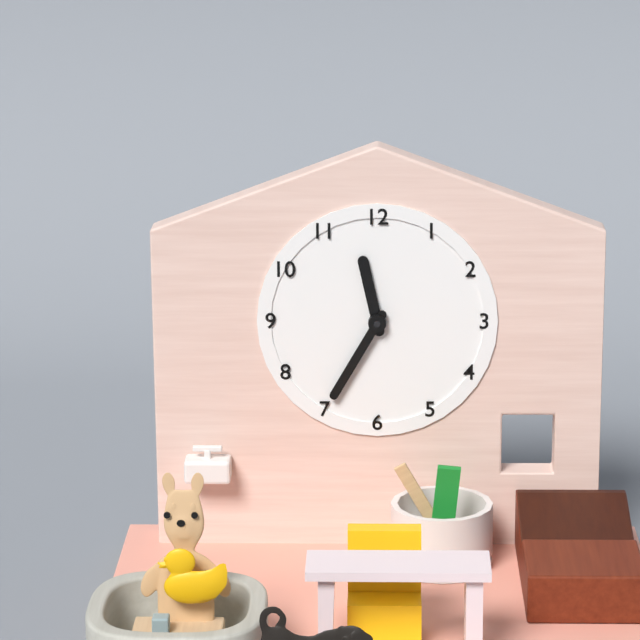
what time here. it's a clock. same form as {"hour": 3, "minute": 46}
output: {"hour": 11, "minute": 35}
